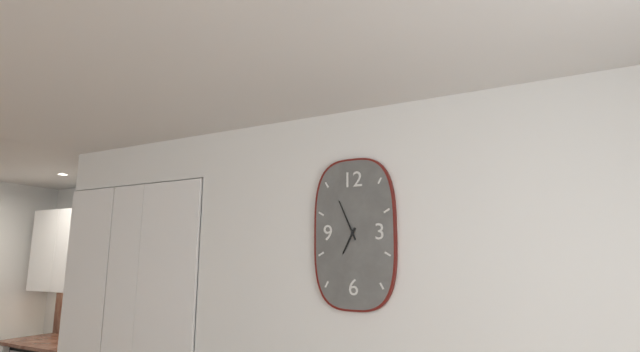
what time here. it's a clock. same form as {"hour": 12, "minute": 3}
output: {"hour": 6, "minute": 56}
